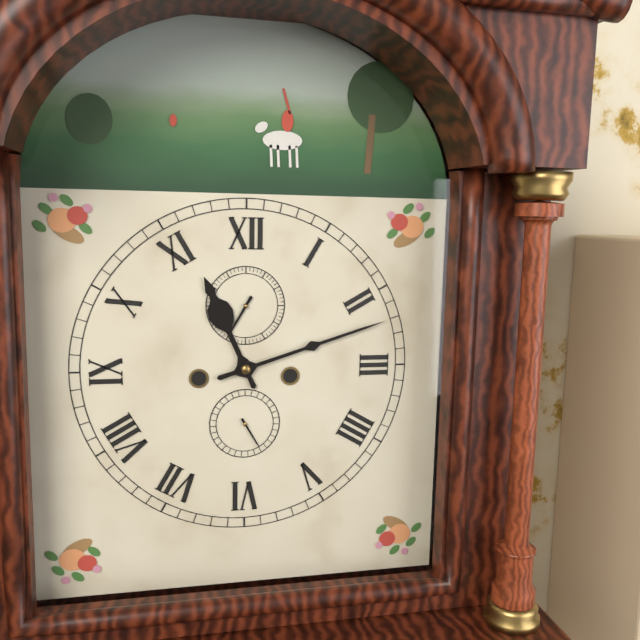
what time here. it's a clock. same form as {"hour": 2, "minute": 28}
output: {"hour": 11, "minute": 12}
